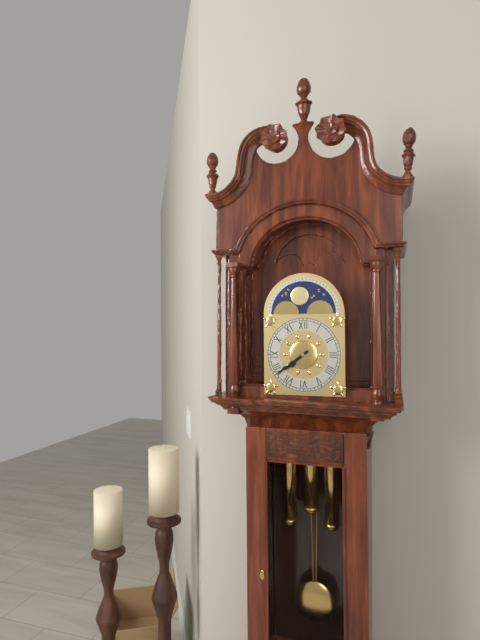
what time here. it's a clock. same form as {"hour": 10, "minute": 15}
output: {"hour": 7, "minute": 39}
